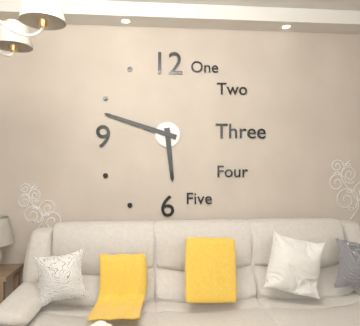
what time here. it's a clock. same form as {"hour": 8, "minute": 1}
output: {"hour": 5, "minute": 48}
